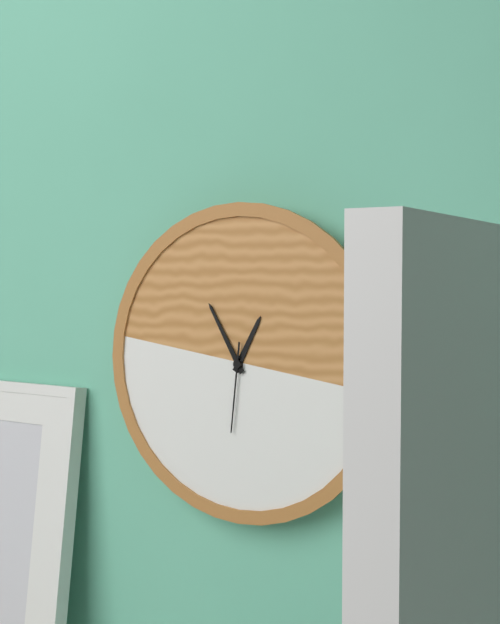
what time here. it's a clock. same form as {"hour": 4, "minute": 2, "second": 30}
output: {"hour": 12, "minute": 55, "second": 31}
